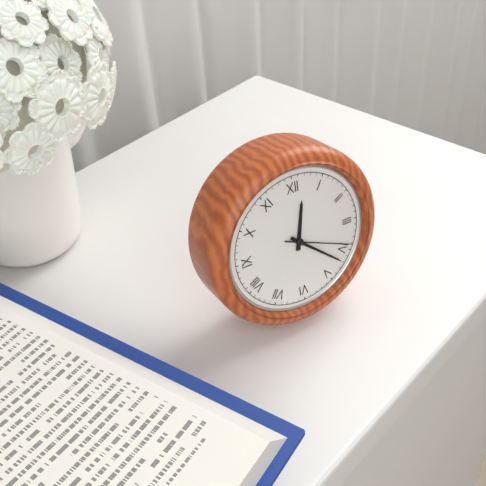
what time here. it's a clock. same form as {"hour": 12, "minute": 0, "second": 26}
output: {"hour": 12, "minute": 22, "second": 19}
